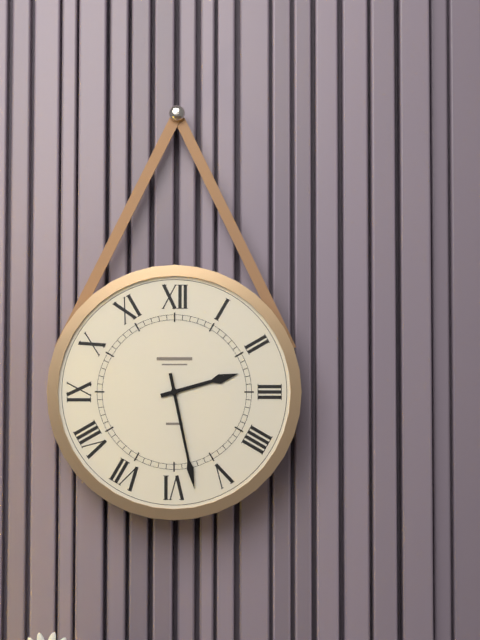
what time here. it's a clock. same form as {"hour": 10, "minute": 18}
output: {"hour": 2, "minute": 28}
